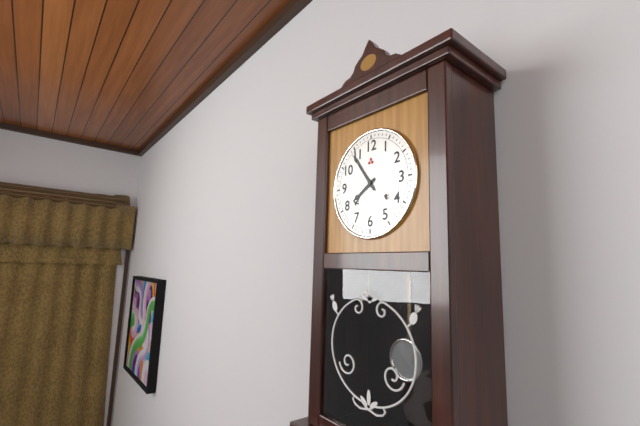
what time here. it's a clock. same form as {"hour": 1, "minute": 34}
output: {"hour": 7, "minute": 54}
